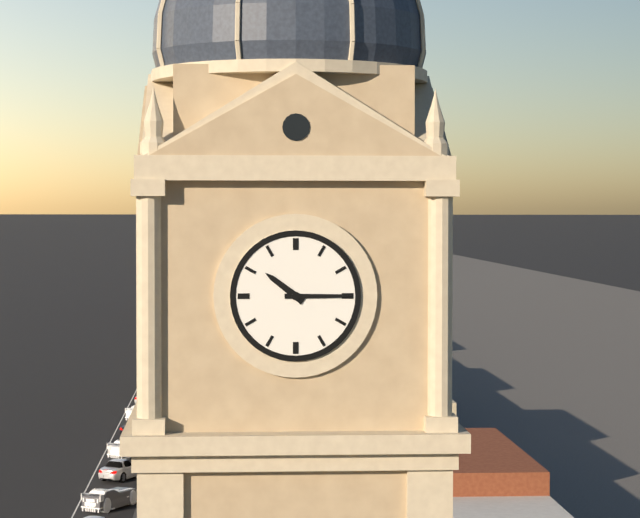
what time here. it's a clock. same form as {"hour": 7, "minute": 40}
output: {"hour": 10, "minute": 15}
